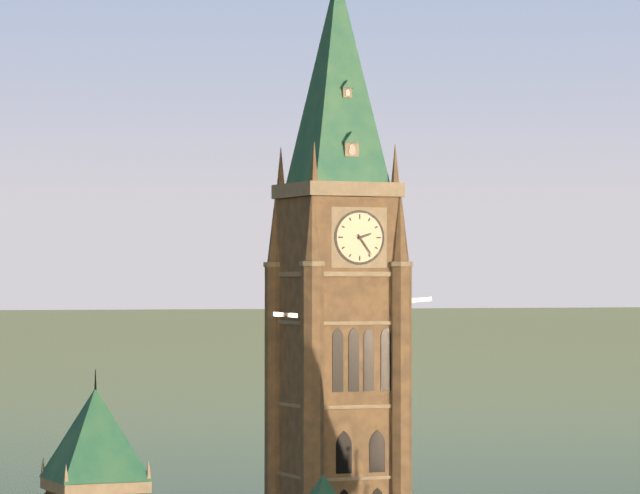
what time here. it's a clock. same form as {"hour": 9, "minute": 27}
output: {"hour": 2, "minute": 24}
